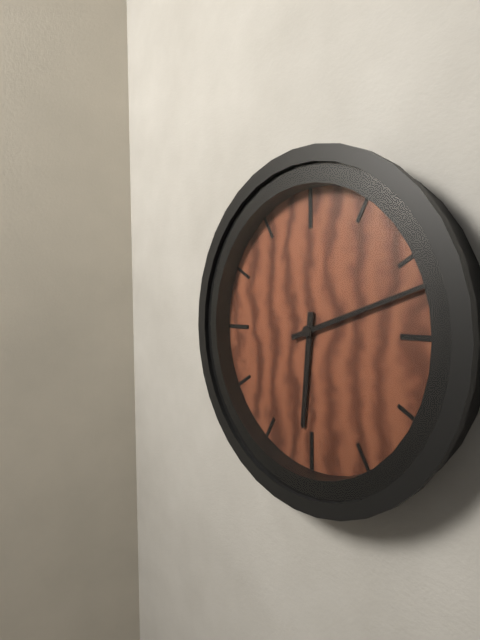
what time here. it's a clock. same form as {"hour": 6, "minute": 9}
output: {"hour": 6, "minute": 12}
